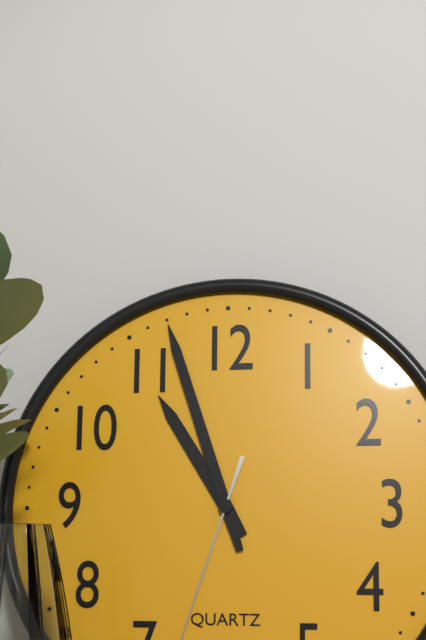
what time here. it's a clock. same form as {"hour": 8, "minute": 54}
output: {"hour": 10, "minute": 57}
